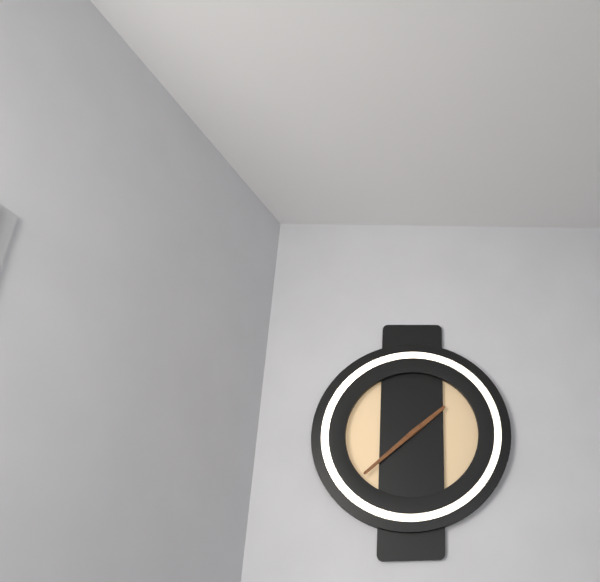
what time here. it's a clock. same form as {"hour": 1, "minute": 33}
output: {"hour": 1, "minute": 38}
